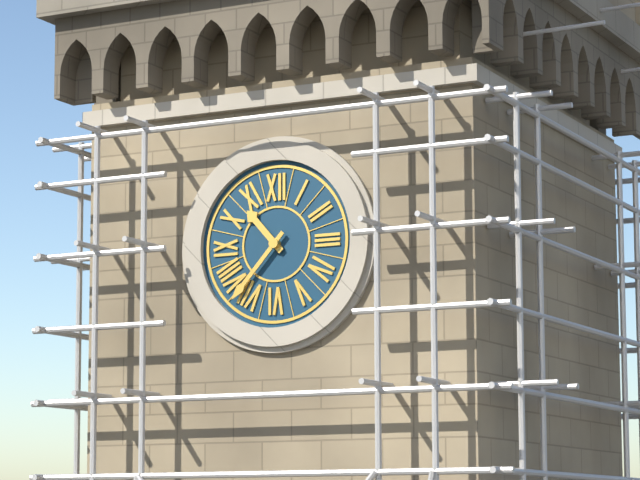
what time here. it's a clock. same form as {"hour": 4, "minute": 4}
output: {"hour": 10, "minute": 37}
